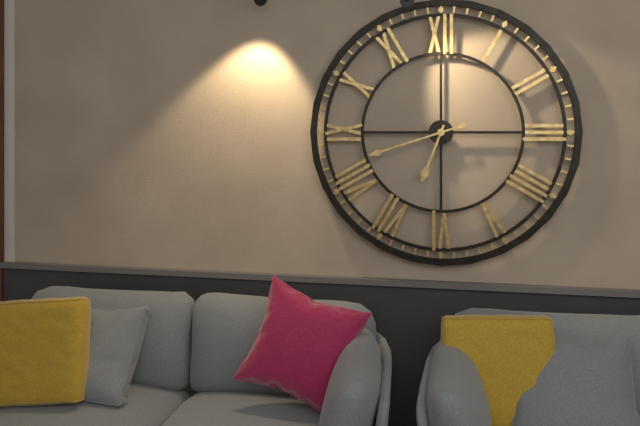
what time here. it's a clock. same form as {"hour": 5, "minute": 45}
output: {"hour": 6, "minute": 42}
